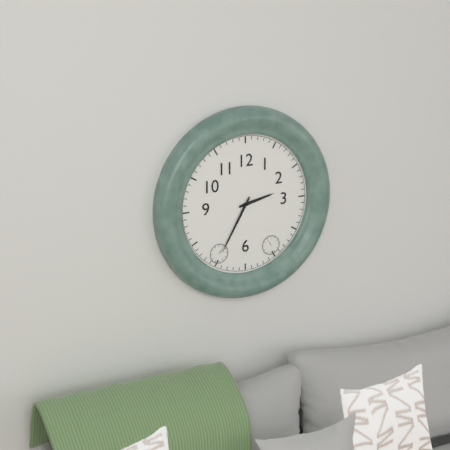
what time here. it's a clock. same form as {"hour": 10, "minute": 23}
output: {"hour": 2, "minute": 35}
